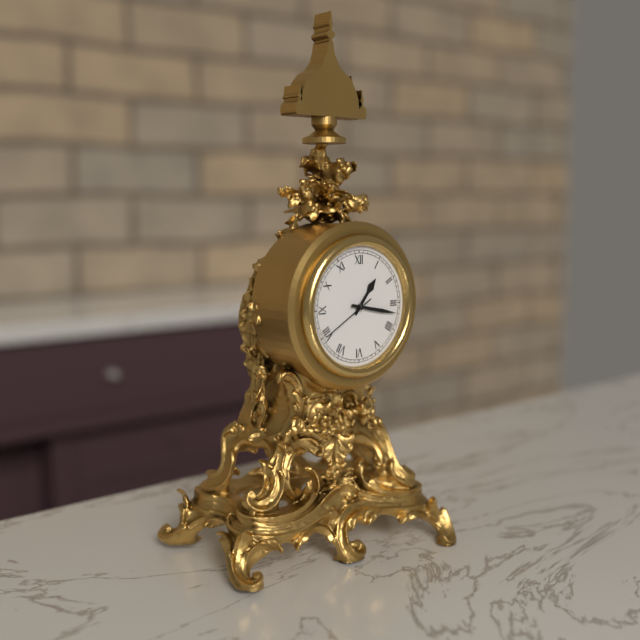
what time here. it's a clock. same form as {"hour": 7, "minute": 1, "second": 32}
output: {"hour": 1, "minute": 17, "second": 40}
